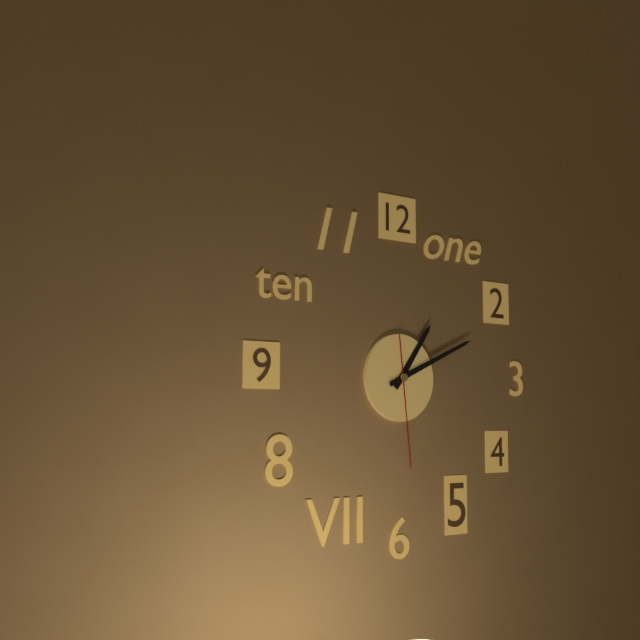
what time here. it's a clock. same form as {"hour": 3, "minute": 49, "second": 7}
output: {"hour": 1, "minute": 11, "second": 29}
